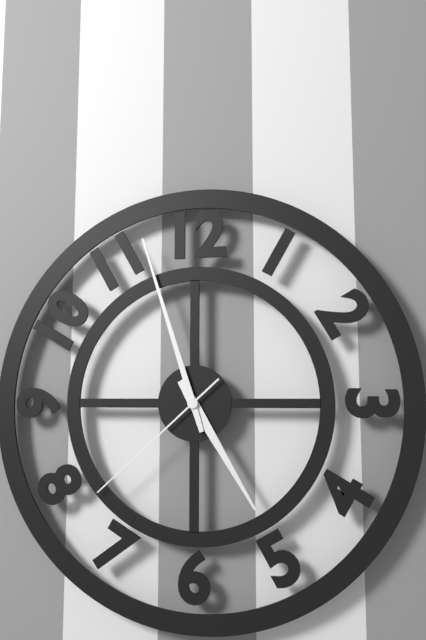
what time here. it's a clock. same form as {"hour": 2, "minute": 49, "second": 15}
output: {"hour": 4, "minute": 57, "second": 38}
